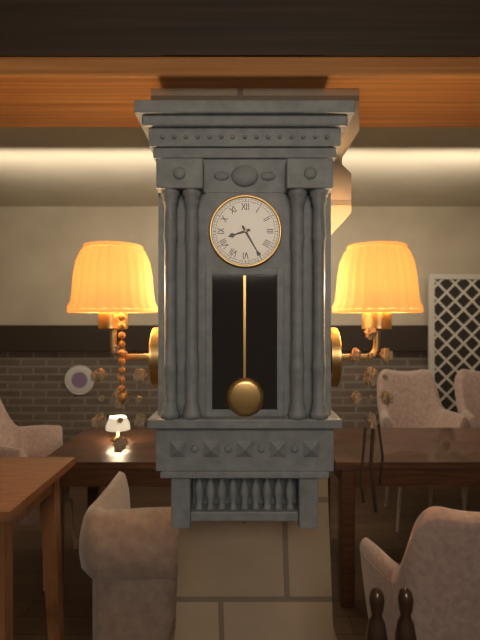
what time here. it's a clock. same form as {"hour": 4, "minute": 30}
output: {"hour": 8, "minute": 25}
